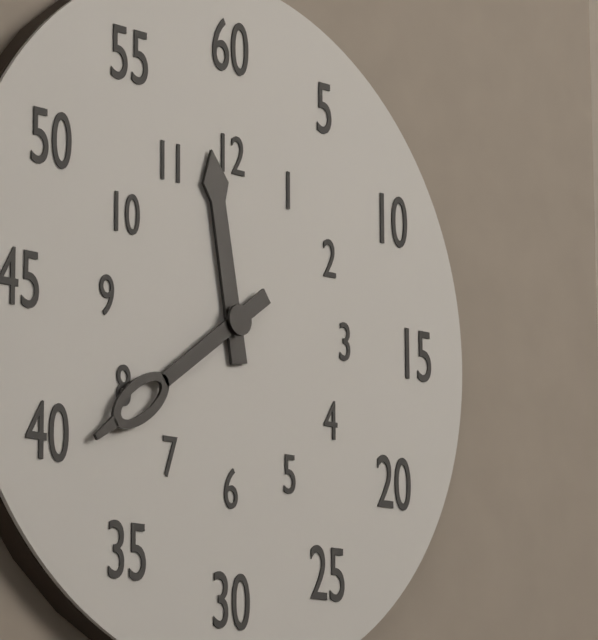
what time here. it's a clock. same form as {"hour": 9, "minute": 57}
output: {"hour": 11, "minute": 39}
